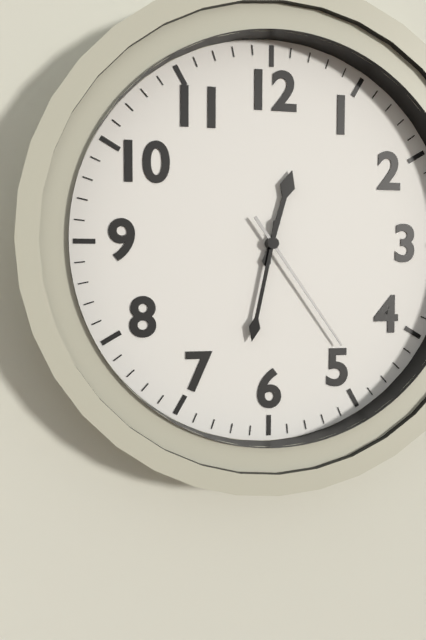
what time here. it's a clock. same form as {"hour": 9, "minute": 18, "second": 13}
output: {"hour": 12, "minute": 32, "second": 24}
